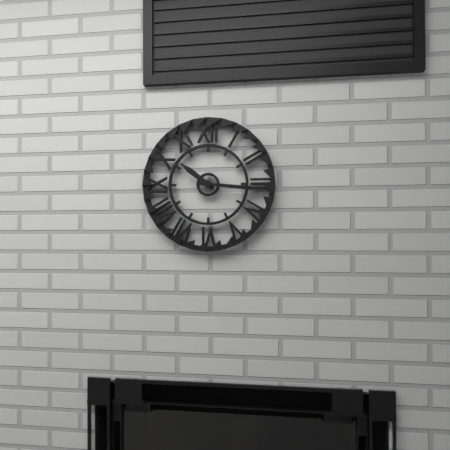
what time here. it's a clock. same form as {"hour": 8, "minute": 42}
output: {"hour": 10, "minute": 16}
